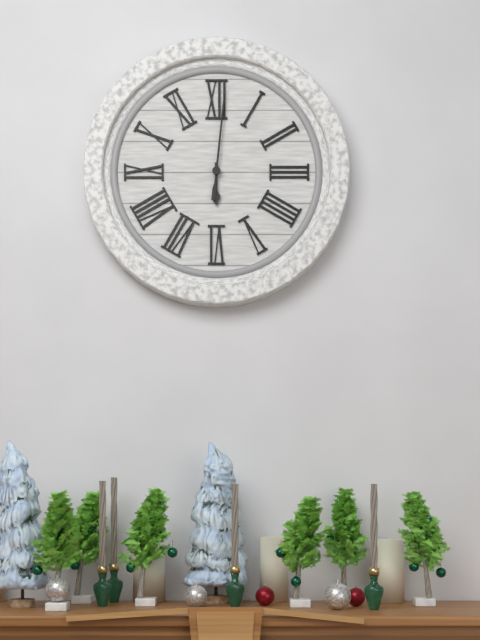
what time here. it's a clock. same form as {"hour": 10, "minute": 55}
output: {"hour": 6, "minute": 1}
